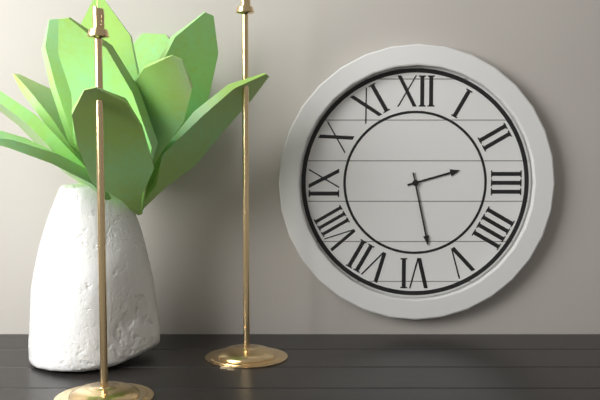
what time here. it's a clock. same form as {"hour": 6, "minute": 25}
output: {"hour": 2, "minute": 28}
